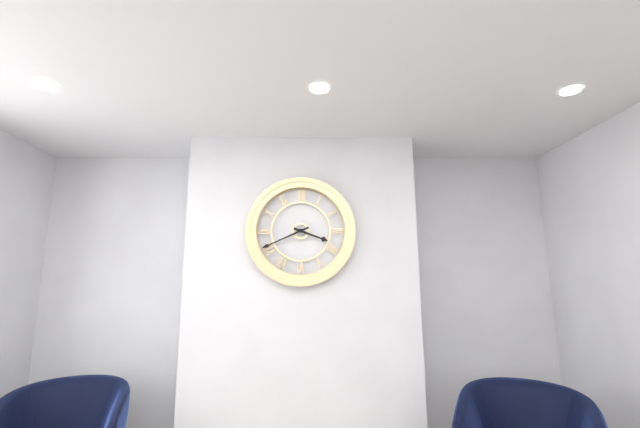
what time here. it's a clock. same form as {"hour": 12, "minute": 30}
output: {"hour": 3, "minute": 41}
